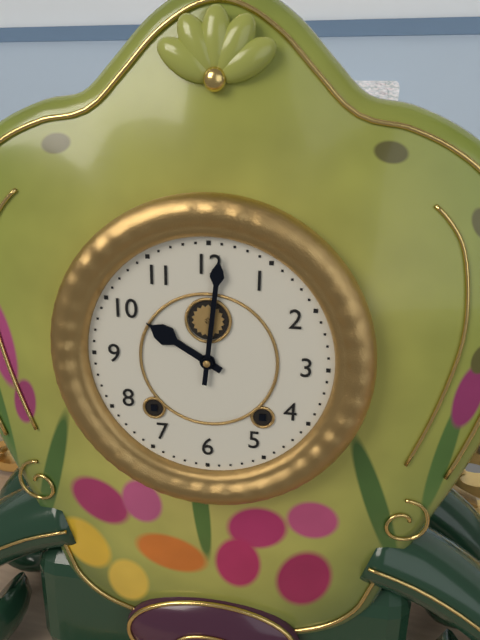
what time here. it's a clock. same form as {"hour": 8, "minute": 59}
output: {"hour": 10, "minute": 1}
